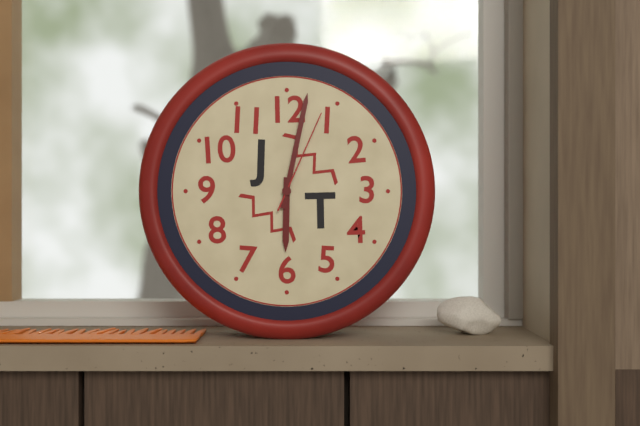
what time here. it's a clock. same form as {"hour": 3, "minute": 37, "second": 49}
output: {"hour": 6, "minute": 2, "second": 4}
